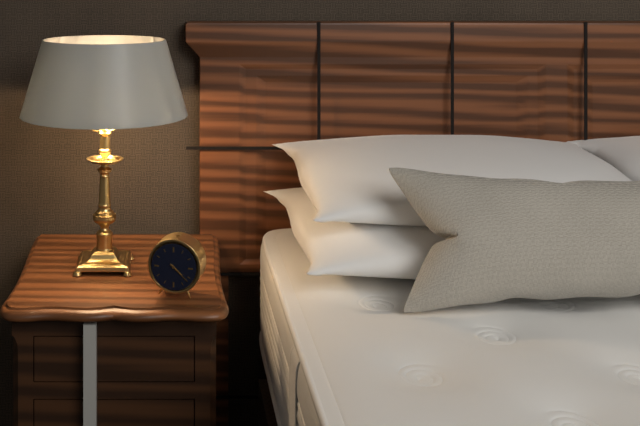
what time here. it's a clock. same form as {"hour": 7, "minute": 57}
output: {"hour": 4, "minute": 22}
